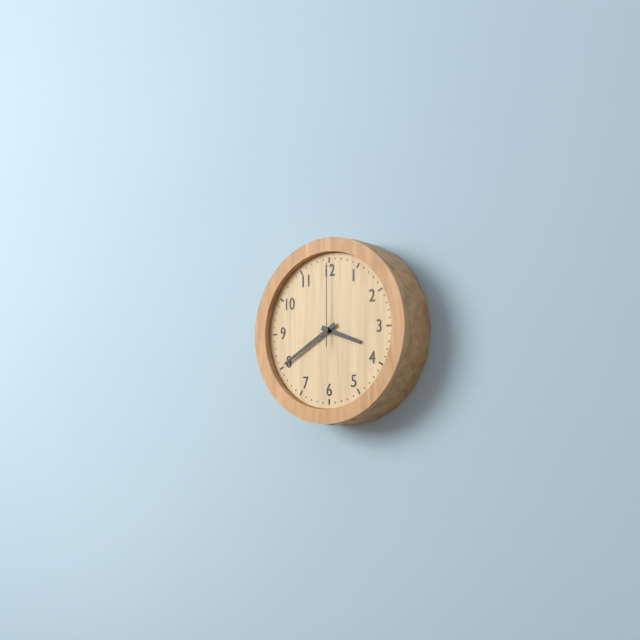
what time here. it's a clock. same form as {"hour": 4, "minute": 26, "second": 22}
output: {"hour": 3, "minute": 40, "second": 0}
